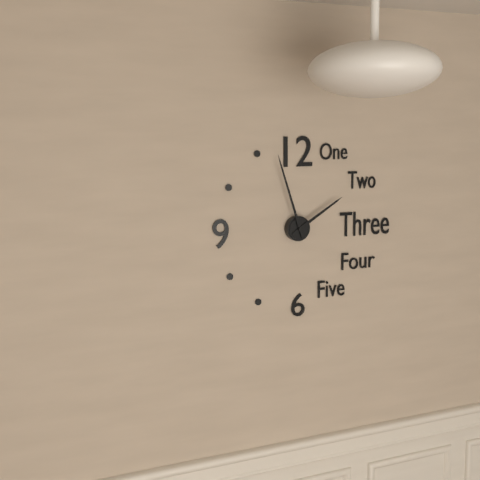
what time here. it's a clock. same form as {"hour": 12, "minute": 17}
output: {"hour": 1, "minute": 57}
